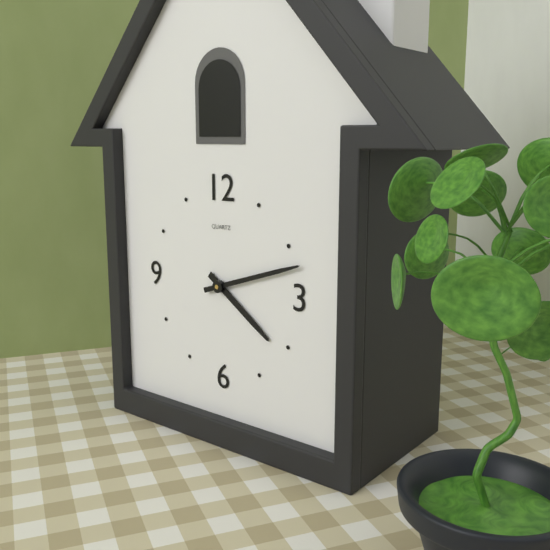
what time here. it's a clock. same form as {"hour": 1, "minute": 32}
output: {"hour": 4, "minute": 12}
